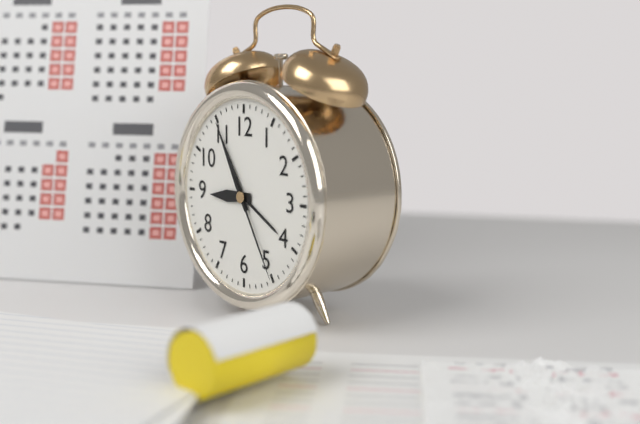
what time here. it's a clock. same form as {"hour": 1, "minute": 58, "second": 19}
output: {"hour": 8, "minute": 55, "second": 25}
